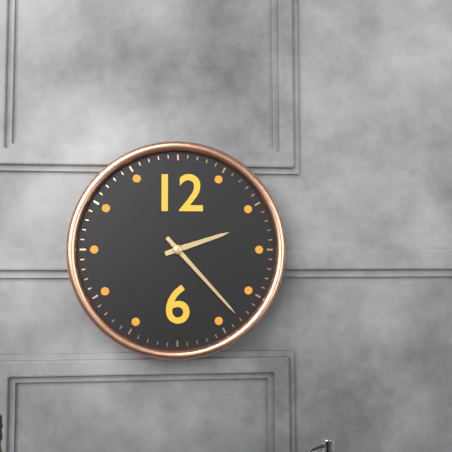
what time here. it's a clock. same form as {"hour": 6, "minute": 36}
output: {"hour": 2, "minute": 23}
